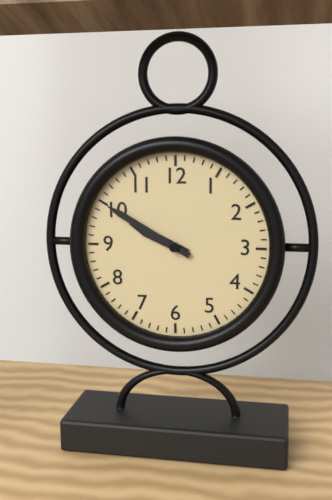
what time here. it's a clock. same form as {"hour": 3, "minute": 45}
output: {"hour": 9, "minute": 50}
